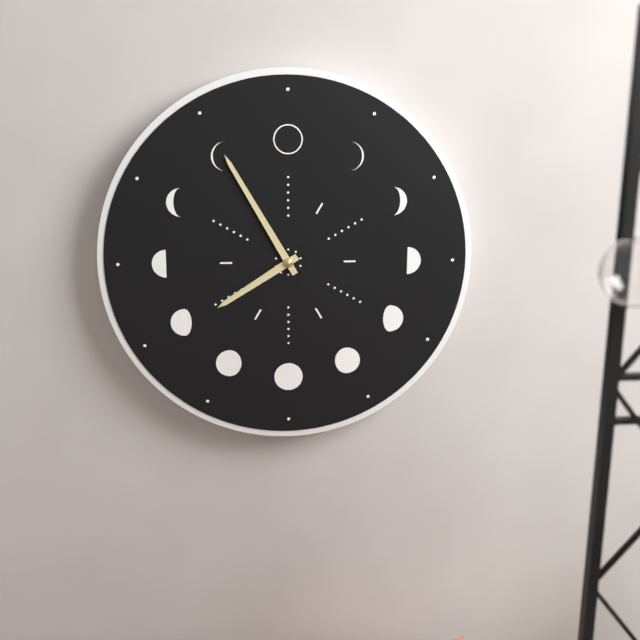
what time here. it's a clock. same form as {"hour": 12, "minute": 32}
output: {"hour": 7, "minute": 55}
